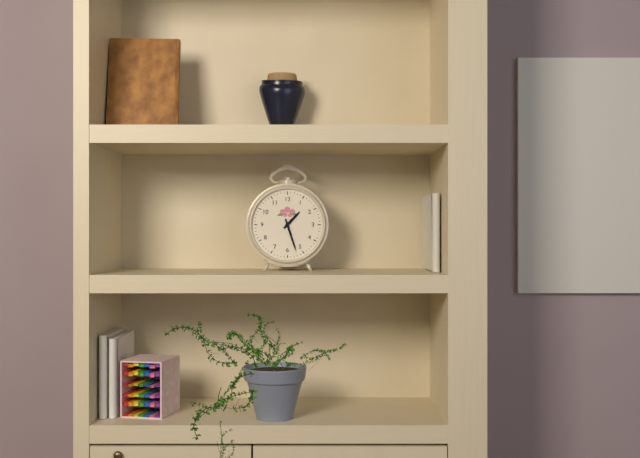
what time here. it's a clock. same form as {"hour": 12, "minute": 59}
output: {"hour": 1, "minute": 27}
